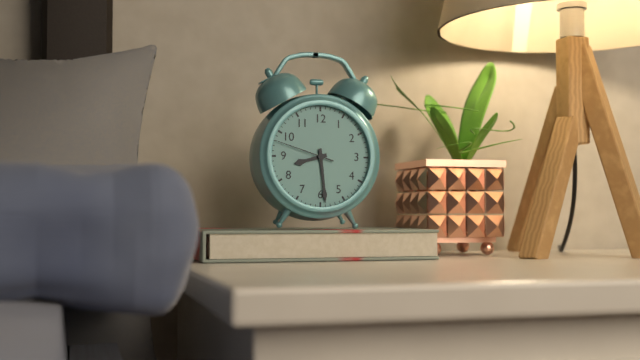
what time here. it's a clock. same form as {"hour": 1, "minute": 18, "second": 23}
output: {"hour": 8, "minute": 29, "second": 48}
